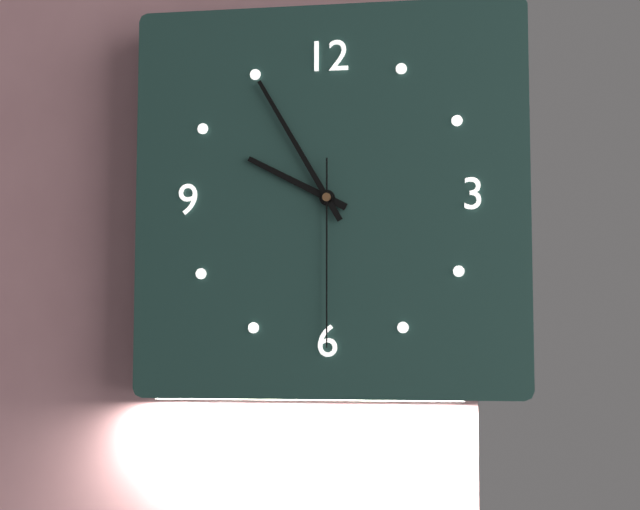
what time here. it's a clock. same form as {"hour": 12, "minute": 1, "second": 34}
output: {"hour": 9, "minute": 55, "second": 30}
